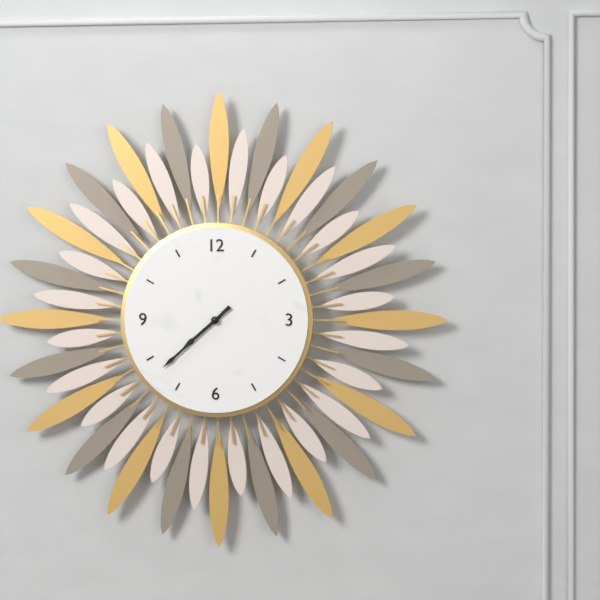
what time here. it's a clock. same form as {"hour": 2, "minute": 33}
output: {"hour": 7, "minute": 38}
